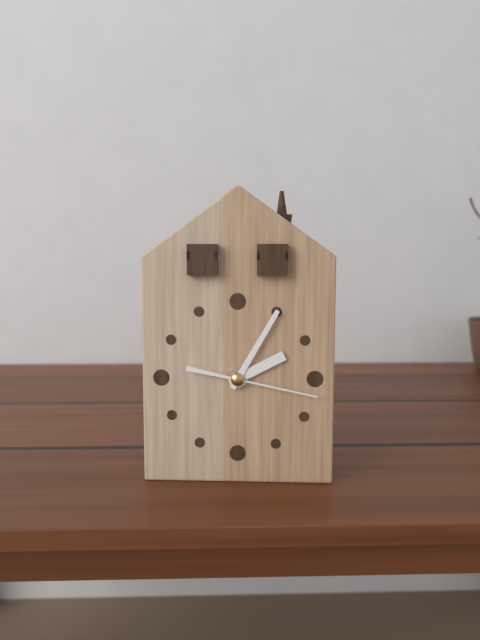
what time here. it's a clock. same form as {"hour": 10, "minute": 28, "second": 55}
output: {"hour": 2, "minute": 5, "second": 17}
